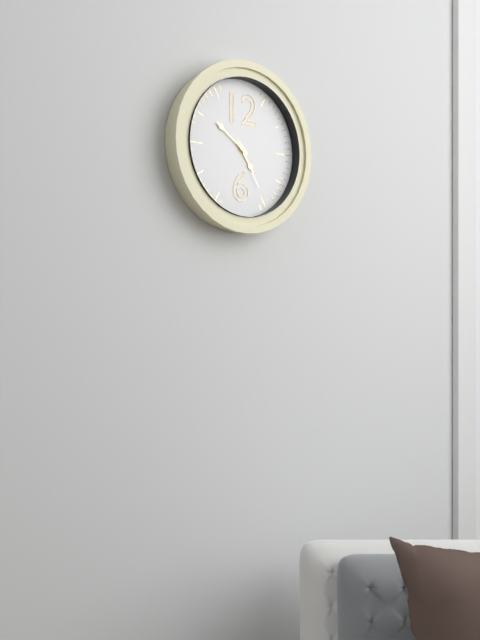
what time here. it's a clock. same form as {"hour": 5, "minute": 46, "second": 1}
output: {"hour": 4, "minute": 51, "second": 25}
